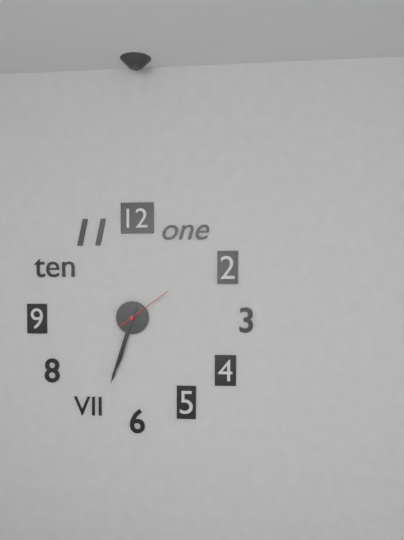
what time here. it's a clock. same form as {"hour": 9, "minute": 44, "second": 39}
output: {"hour": 6, "minute": 33, "second": 9}
